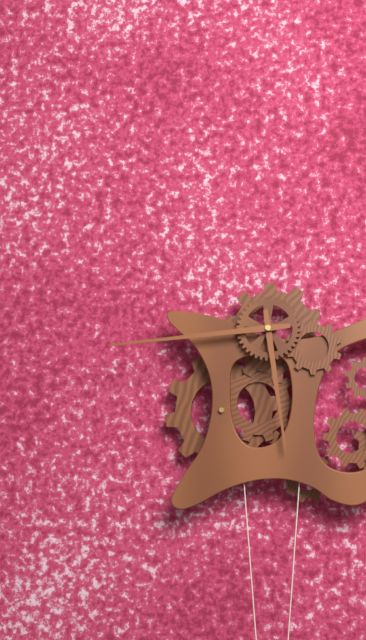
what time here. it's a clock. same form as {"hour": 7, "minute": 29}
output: {"hour": 5, "minute": 44}
